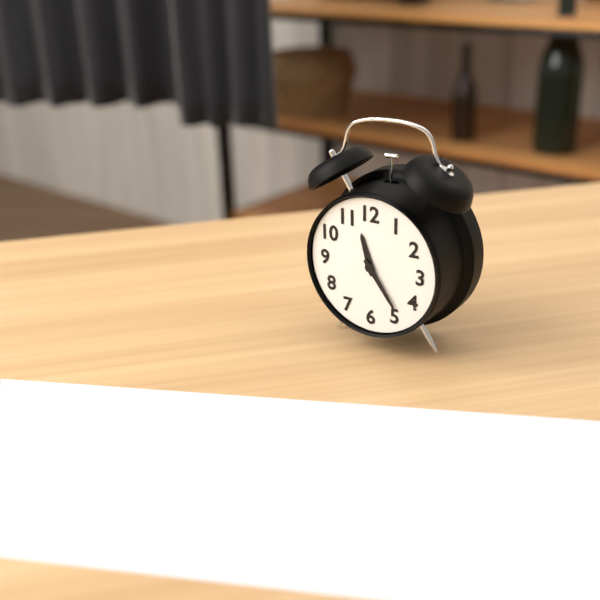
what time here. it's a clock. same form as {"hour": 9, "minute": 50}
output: {"hour": 11, "minute": 24}
